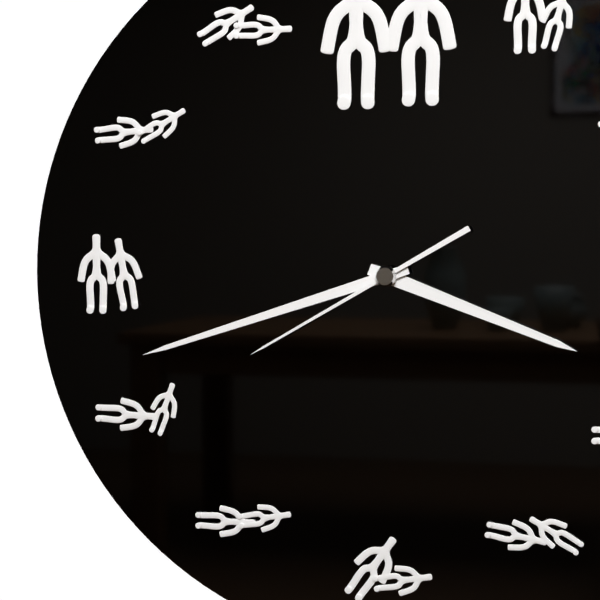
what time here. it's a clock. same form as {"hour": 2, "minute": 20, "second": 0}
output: {"hour": 3, "minute": 42, "second": 40}
